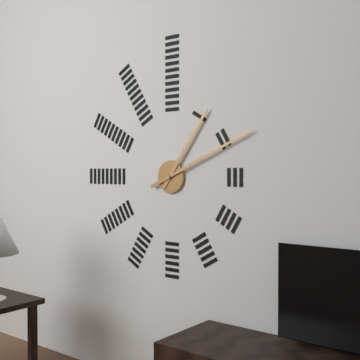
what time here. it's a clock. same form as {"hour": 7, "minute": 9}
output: {"hour": 1, "minute": 11}
